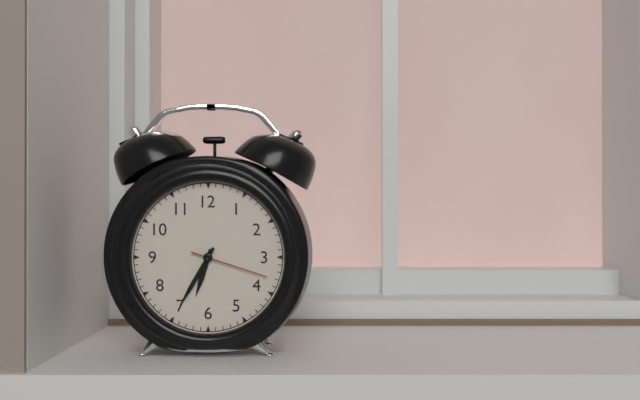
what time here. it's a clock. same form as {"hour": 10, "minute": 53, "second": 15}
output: {"hour": 6, "minute": 35, "second": 18}
